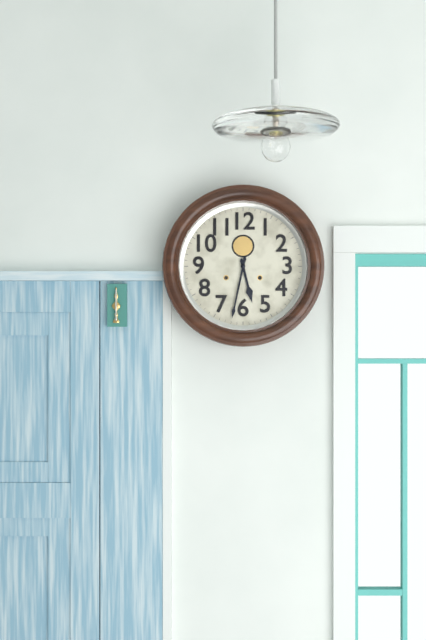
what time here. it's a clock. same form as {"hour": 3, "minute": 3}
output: {"hour": 5, "minute": 32}
